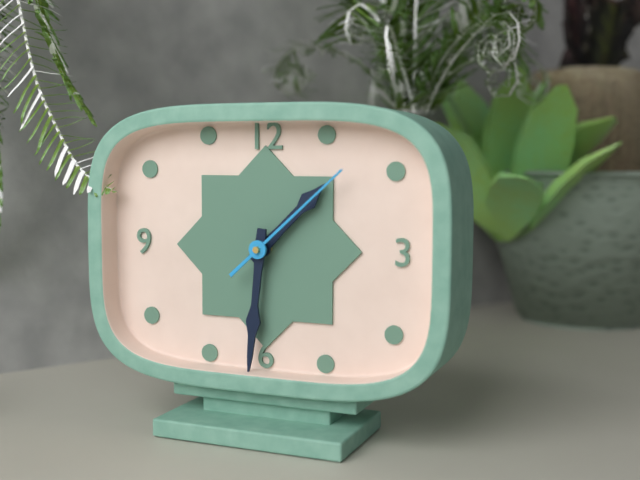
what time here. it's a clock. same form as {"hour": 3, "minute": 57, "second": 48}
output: {"hour": 1, "minute": 31, "second": 8}
